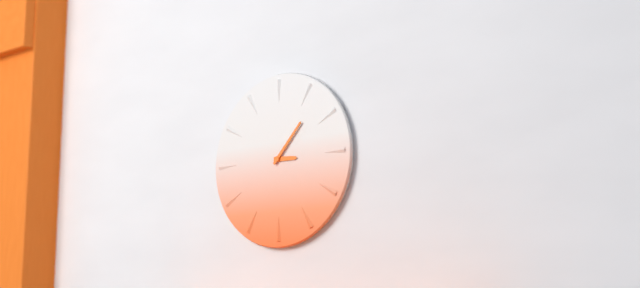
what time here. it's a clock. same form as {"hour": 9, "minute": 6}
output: {"hour": 3, "minute": 7}
